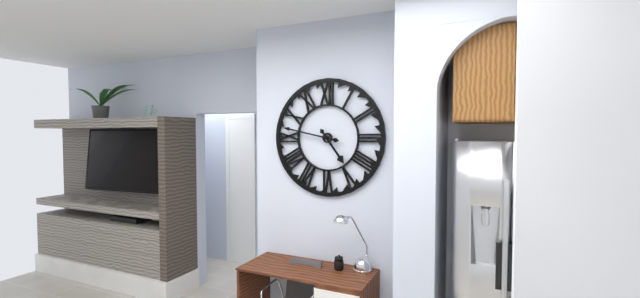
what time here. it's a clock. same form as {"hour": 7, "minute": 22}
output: {"hour": 4, "minute": 47}
